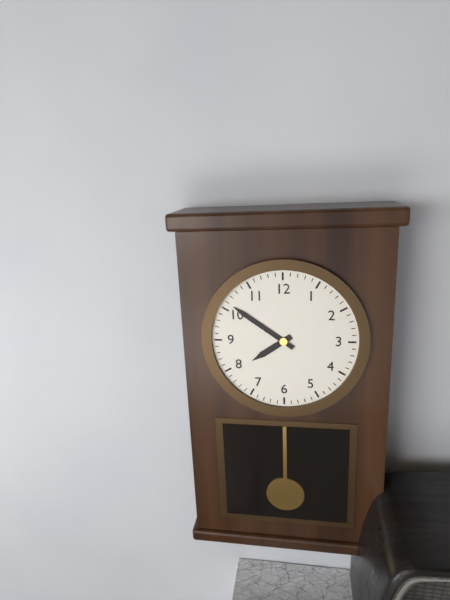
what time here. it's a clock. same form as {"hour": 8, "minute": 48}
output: {"hour": 7, "minute": 51}
